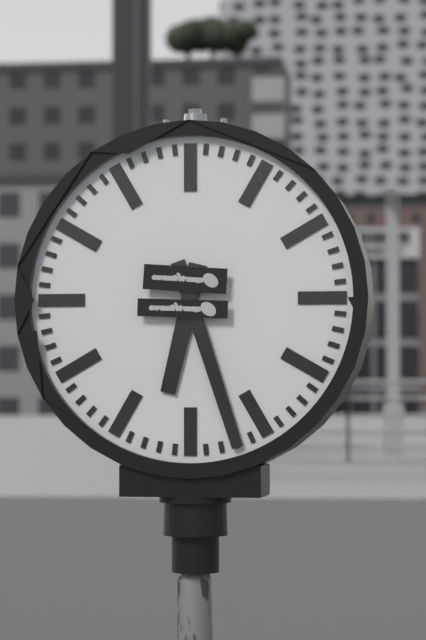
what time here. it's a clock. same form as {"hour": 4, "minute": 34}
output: {"hour": 6, "minute": 27}
